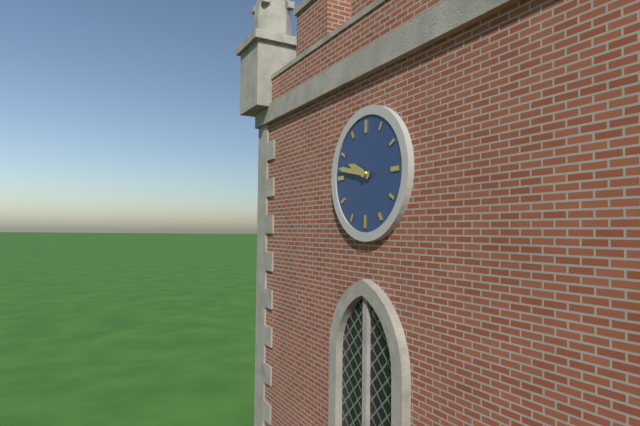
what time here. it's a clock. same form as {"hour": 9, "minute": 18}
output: {"hour": 9, "minute": 47}
